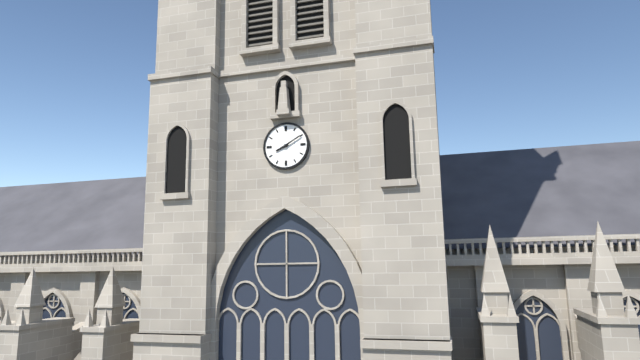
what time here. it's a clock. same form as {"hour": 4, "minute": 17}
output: {"hour": 8, "minute": 10}
